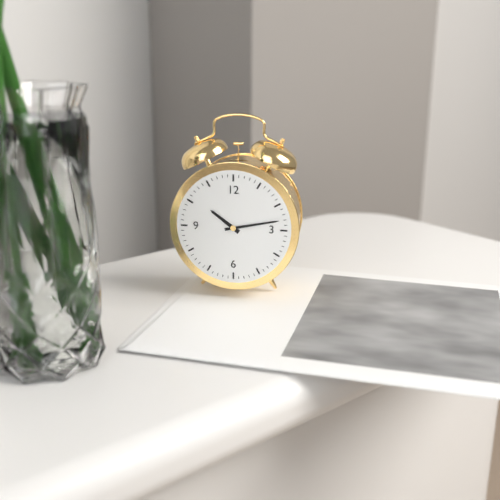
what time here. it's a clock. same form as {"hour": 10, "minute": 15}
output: {"hour": 10, "minute": 13}
